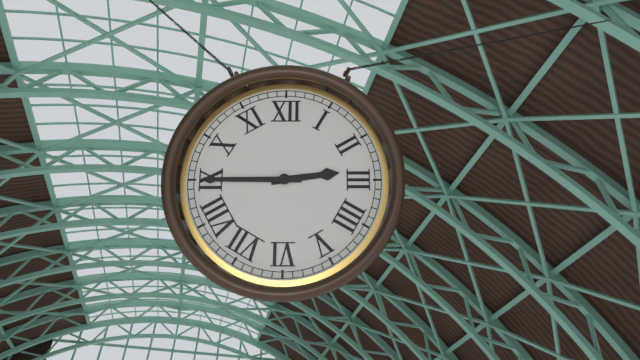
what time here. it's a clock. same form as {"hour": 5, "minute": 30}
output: {"hour": 2, "minute": 45}
